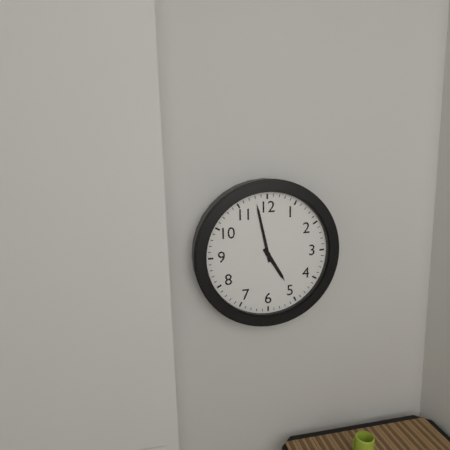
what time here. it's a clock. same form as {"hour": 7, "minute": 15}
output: {"hour": 4, "minute": 58}
